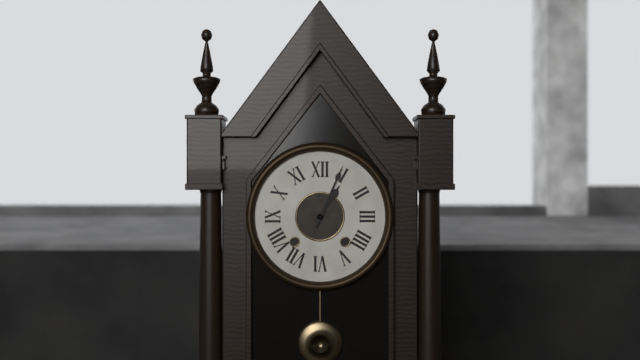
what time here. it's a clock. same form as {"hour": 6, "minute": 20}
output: {"hour": 1, "minute": 4}
